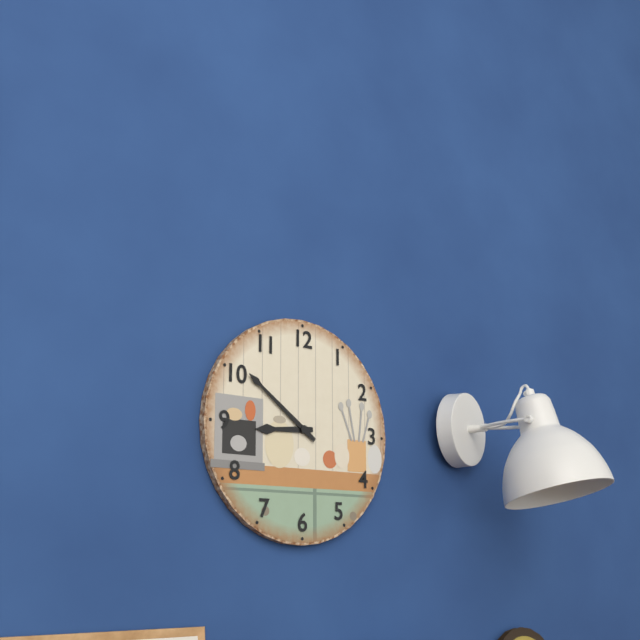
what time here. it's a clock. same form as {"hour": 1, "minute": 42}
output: {"hour": 8, "minute": 51}
